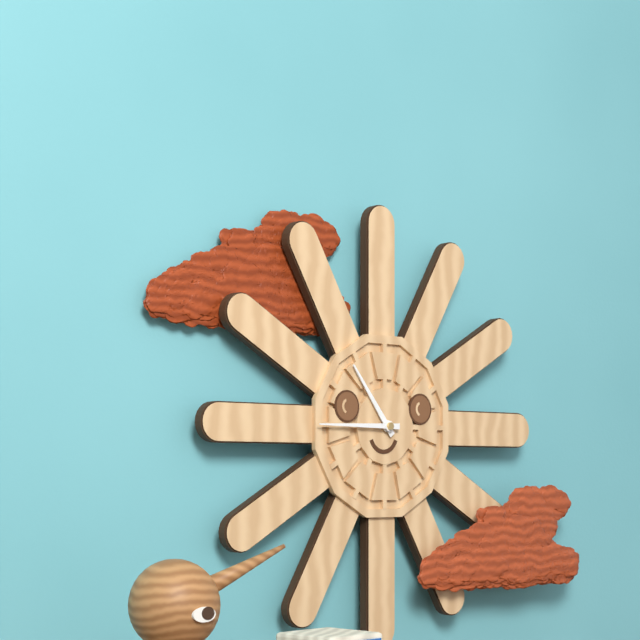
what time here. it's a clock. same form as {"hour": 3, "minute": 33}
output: {"hour": 10, "minute": 45}
